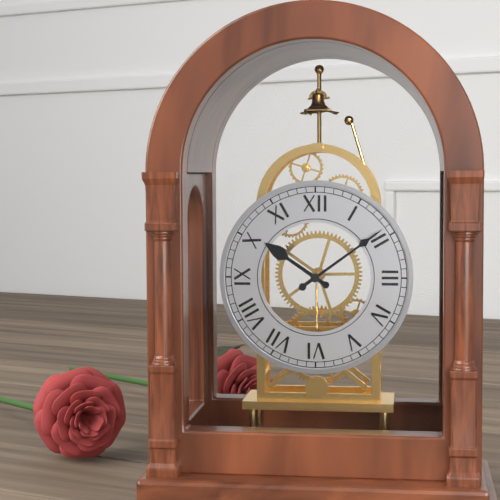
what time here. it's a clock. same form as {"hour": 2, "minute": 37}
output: {"hour": 10, "minute": 9}
